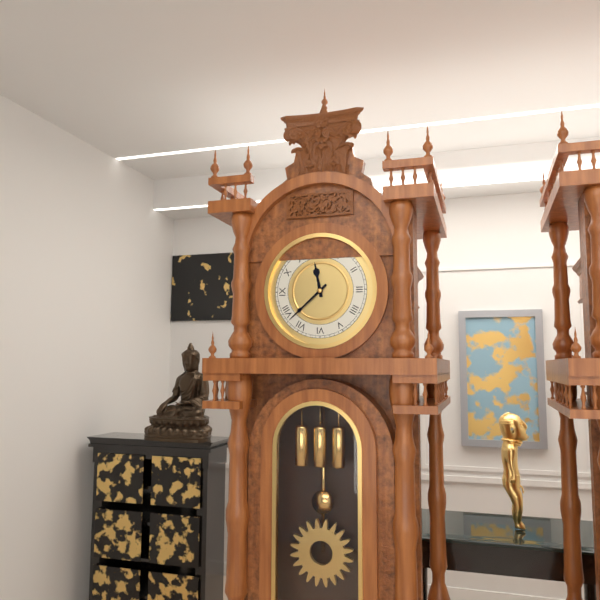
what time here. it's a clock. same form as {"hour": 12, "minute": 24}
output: {"hour": 11, "minute": 38}
